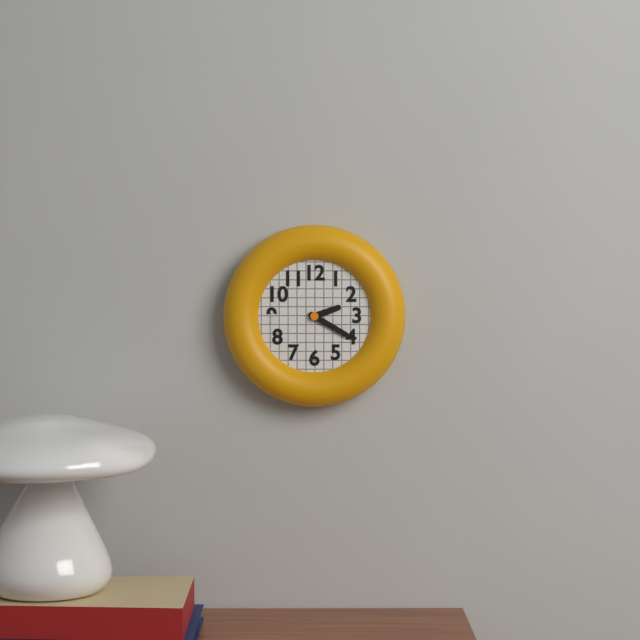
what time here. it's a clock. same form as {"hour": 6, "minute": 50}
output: {"hour": 2, "minute": 20}
